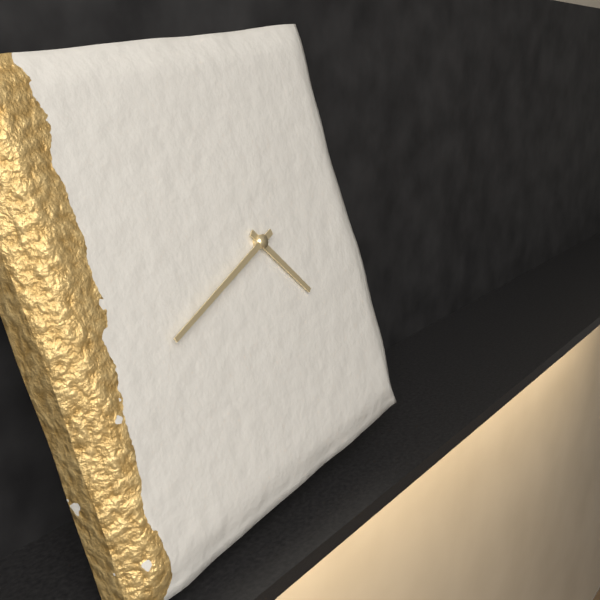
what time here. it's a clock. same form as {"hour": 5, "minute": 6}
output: {"hour": 4, "minute": 42}
